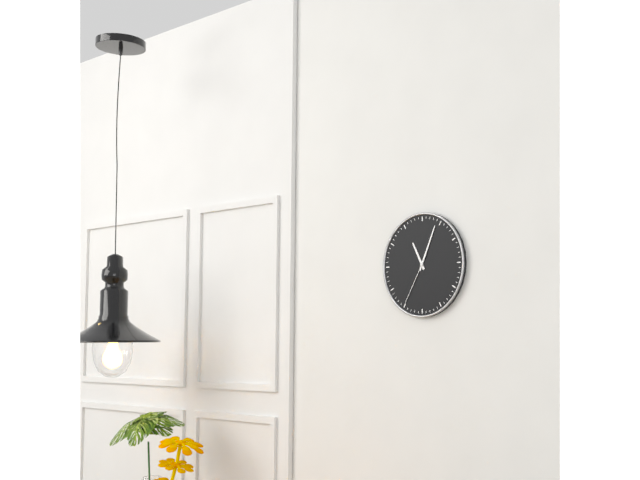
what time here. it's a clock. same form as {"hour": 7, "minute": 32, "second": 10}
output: {"hour": 11, "minute": 4, "second": 35}
